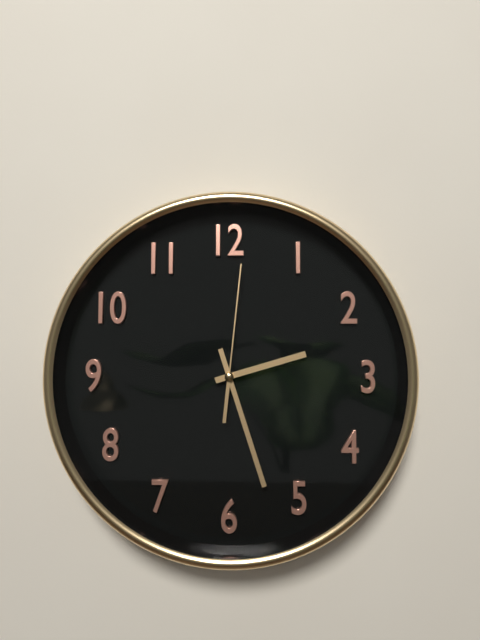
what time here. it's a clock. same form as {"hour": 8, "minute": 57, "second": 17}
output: {"hour": 2, "minute": 27, "second": 1}
